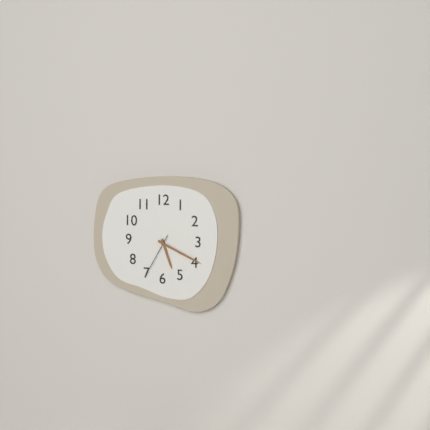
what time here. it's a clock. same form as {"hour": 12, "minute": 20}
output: {"hour": 5, "minute": 19}
